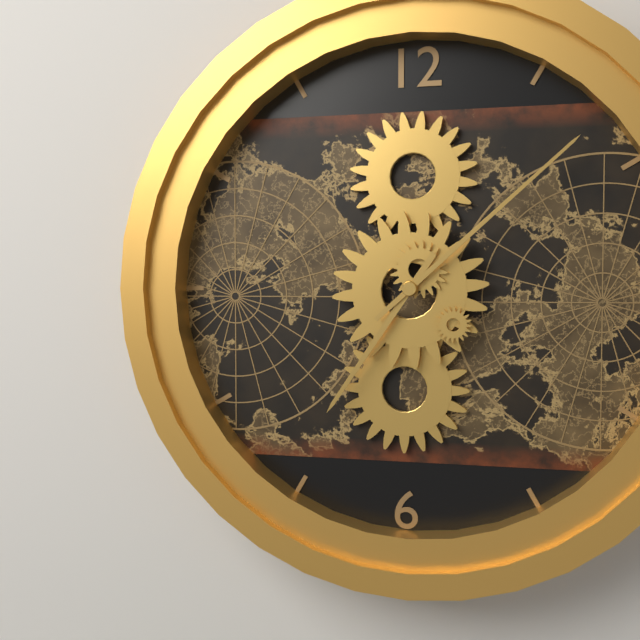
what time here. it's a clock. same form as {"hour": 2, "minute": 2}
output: {"hour": 7, "minute": 8}
